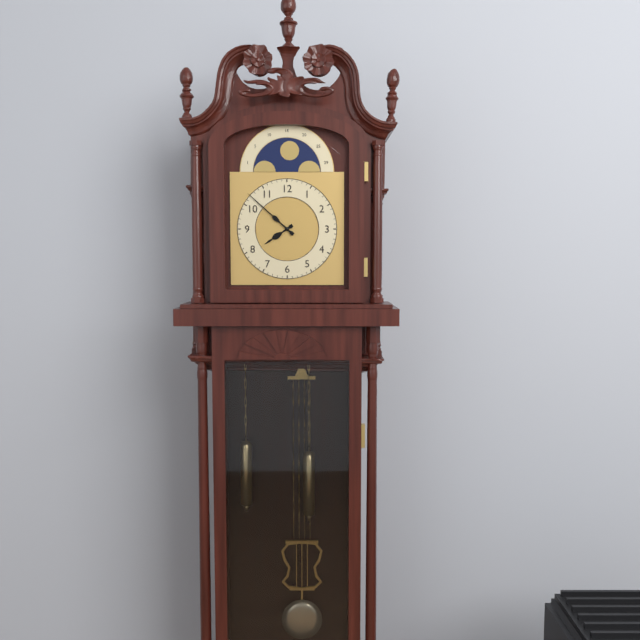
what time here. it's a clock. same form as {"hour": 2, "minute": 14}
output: {"hour": 7, "minute": 52}
